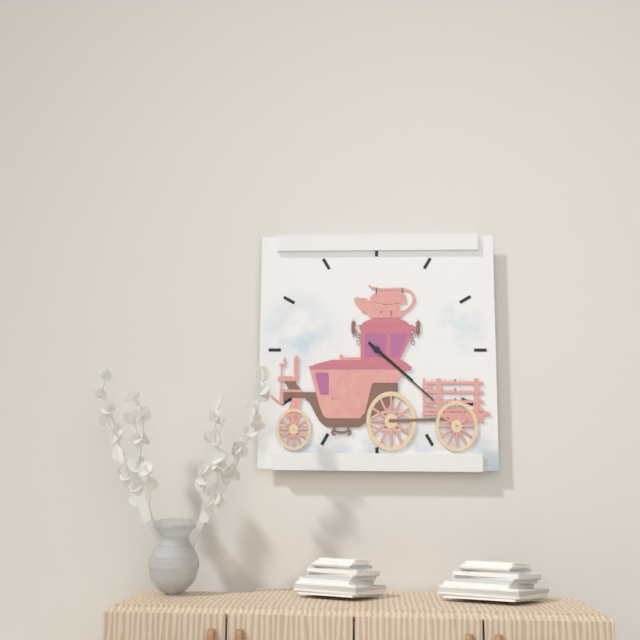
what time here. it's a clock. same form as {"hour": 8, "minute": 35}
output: {"hour": 4, "minute": 22}
